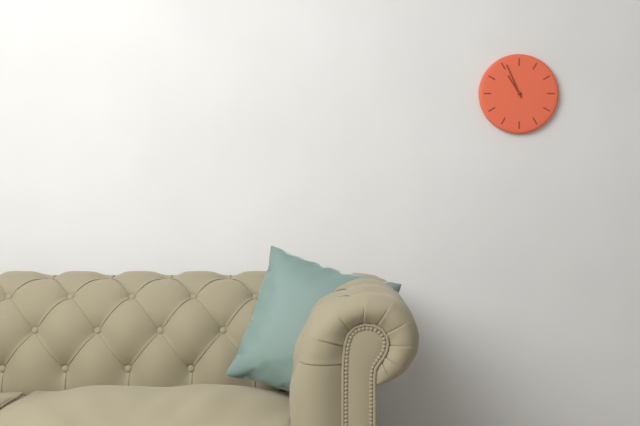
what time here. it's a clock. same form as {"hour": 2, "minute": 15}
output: {"hour": 10, "minute": 56}
